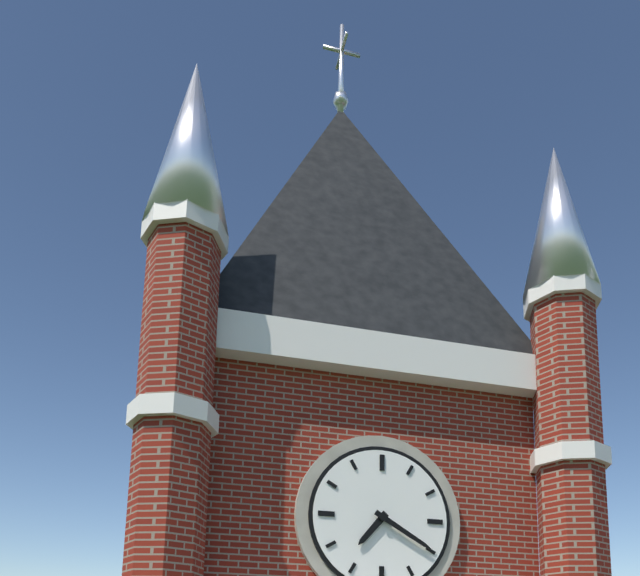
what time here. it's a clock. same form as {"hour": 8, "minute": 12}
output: {"hour": 7, "minute": 20}
